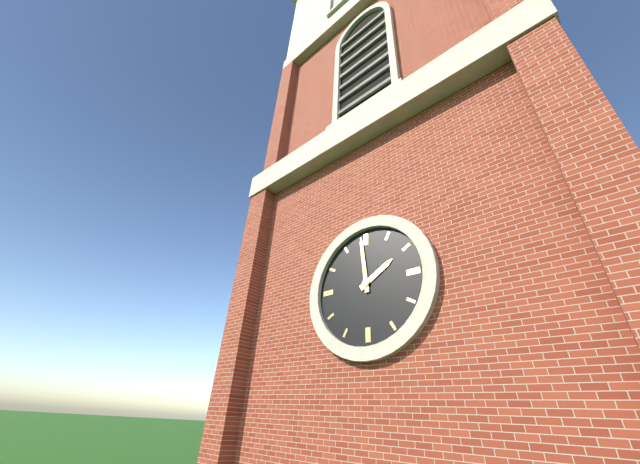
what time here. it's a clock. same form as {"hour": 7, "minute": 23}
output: {"hour": 1, "minute": 59}
